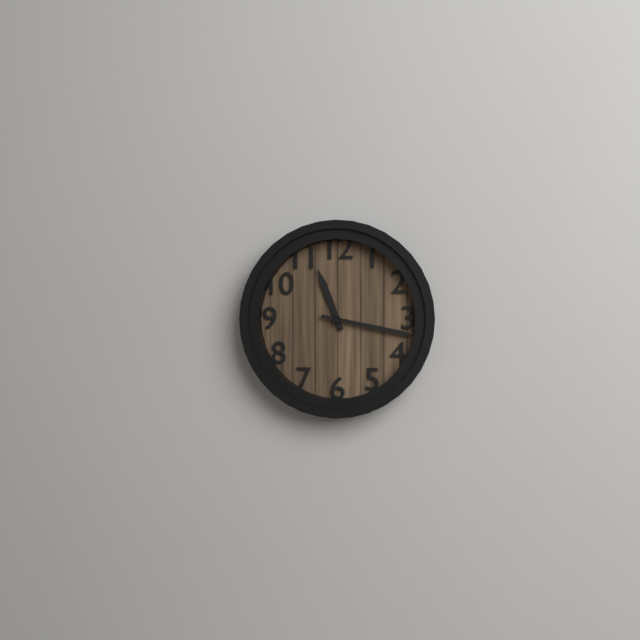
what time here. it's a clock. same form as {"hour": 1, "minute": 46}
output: {"hour": 11, "minute": 17}
